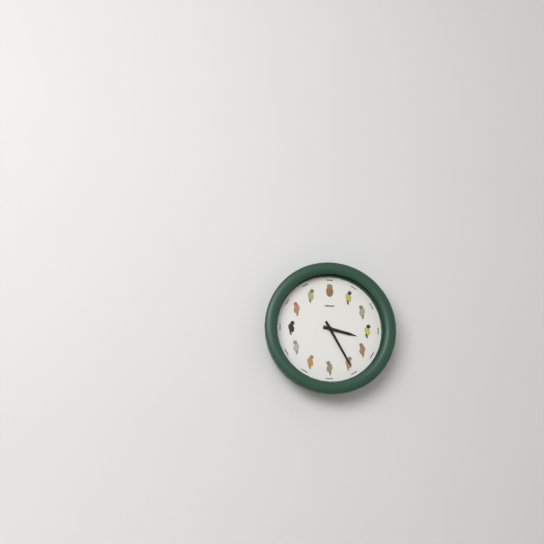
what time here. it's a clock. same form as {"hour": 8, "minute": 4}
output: {"hour": 3, "minute": 25}
